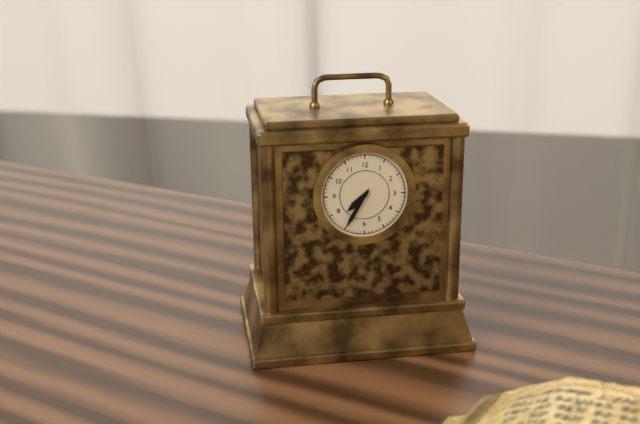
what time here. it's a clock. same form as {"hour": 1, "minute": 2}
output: {"hour": 7, "minute": 35}
